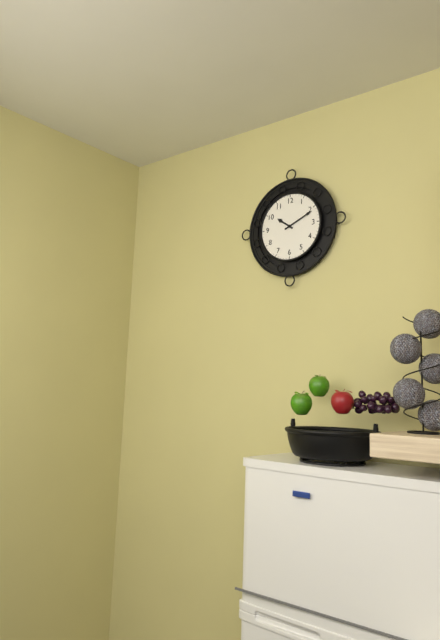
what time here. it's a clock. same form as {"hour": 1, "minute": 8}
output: {"hour": 10, "minute": 11}
